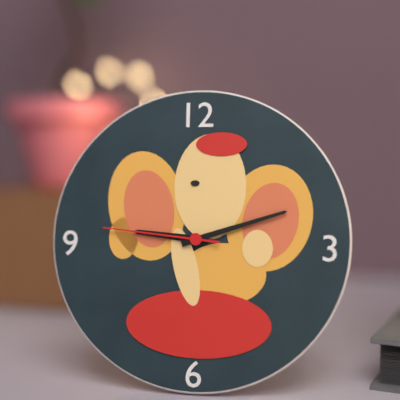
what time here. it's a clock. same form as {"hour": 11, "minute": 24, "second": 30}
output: {"hour": 9, "minute": 12, "second": 46}
